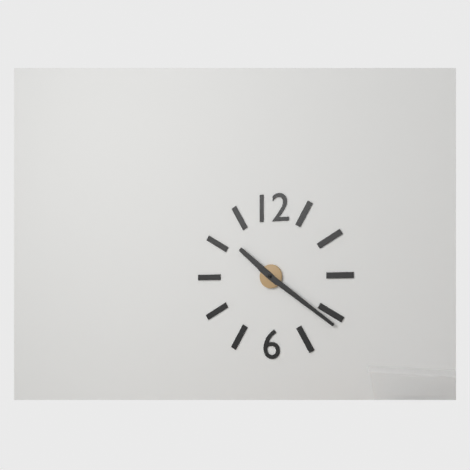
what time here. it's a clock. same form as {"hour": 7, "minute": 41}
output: {"hour": 10, "minute": 21}
